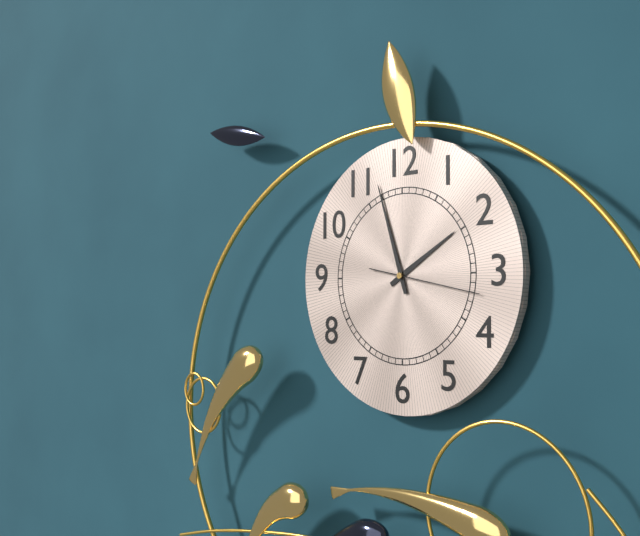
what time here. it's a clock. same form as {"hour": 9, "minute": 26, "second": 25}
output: {"hour": 1, "minute": 57, "second": 17}
